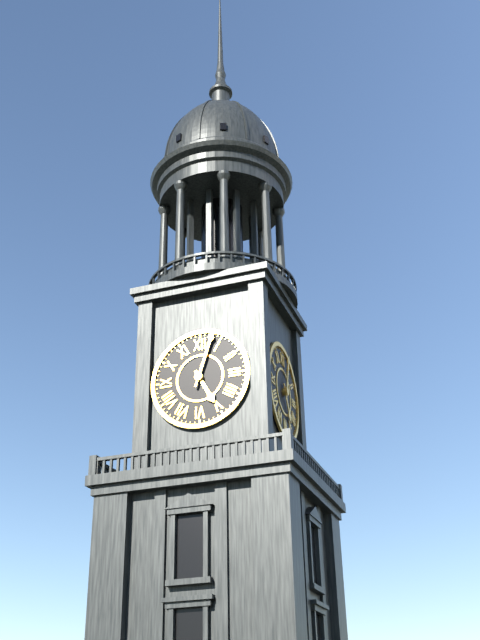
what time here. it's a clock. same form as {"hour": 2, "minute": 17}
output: {"hour": 5, "minute": 3}
